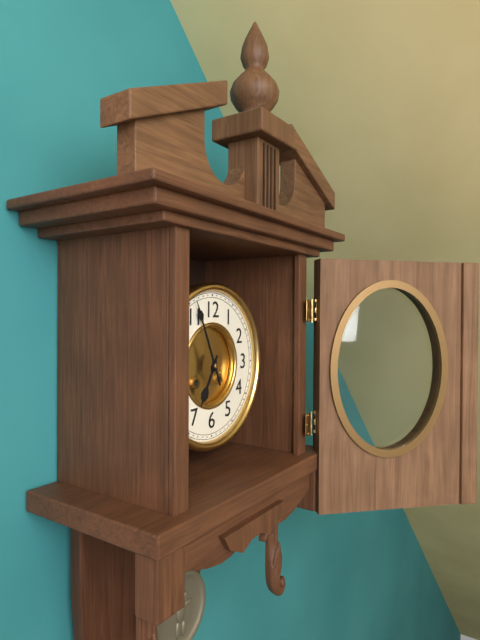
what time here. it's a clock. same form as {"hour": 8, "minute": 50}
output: {"hour": 6, "minute": 56}
